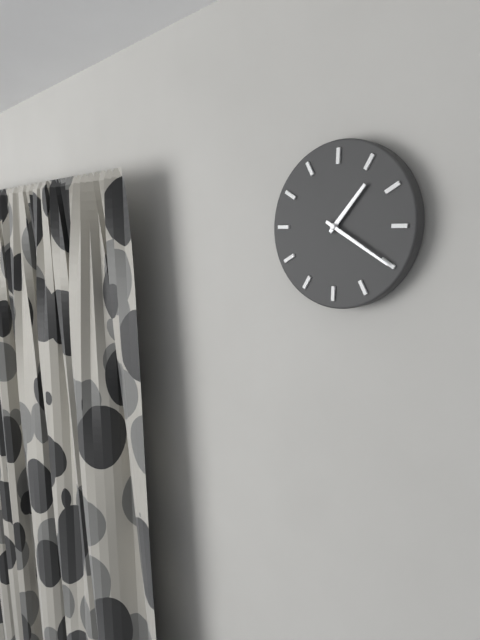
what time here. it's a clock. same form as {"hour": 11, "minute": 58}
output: {"hour": 1, "minute": 20}
